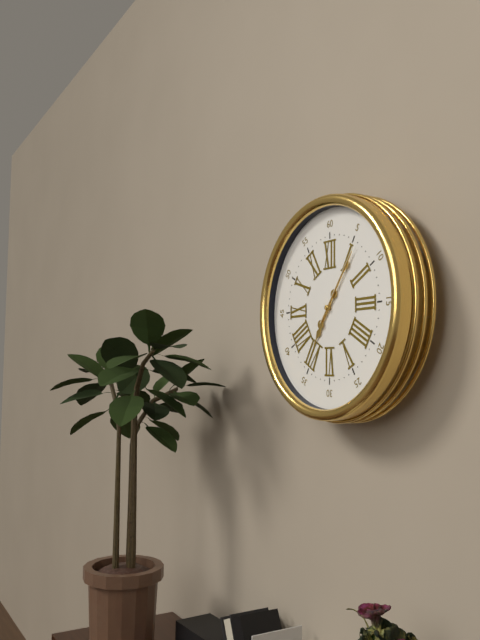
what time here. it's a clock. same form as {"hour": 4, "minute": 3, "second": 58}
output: {"hour": 7, "minute": 6, "second": 6}
